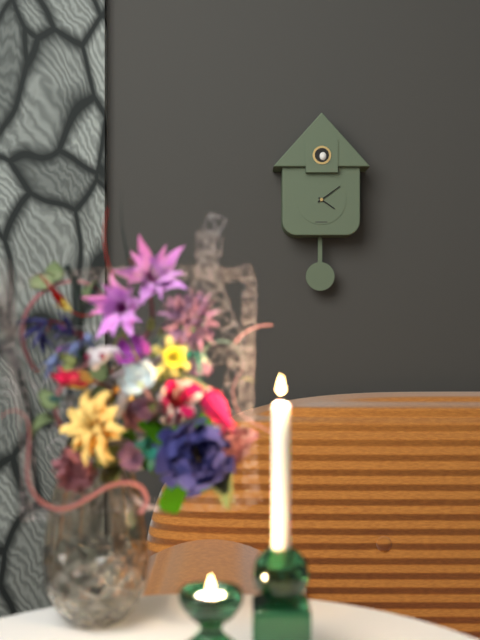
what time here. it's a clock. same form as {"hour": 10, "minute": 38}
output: {"hour": 4, "minute": 9}
